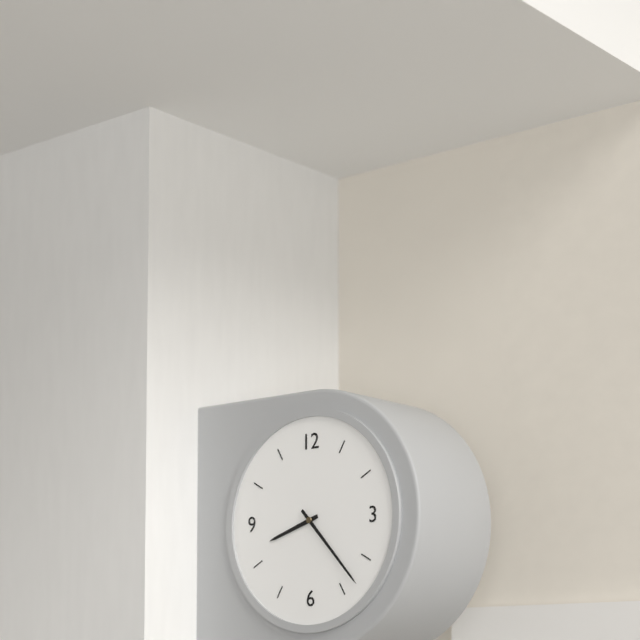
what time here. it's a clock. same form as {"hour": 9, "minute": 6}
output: {"hour": 8, "minute": 23}
